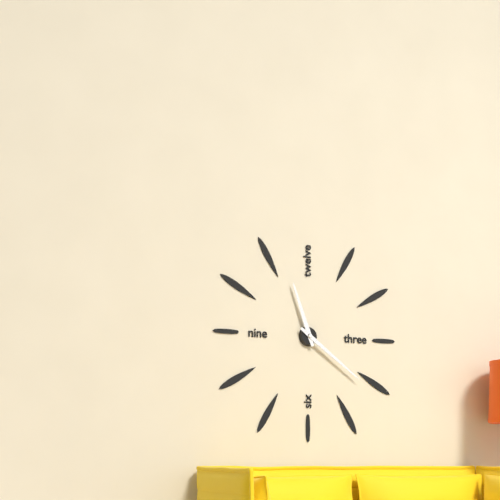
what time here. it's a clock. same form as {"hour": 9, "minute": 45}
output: {"hour": 11, "minute": 21}
